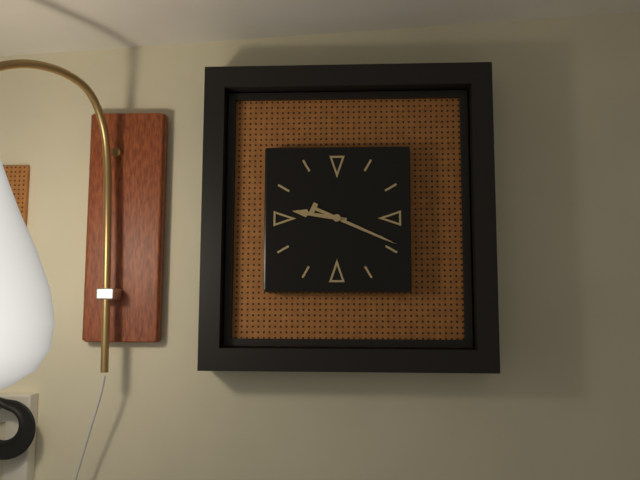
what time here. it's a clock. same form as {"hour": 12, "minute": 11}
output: {"hour": 9, "minute": 19}
